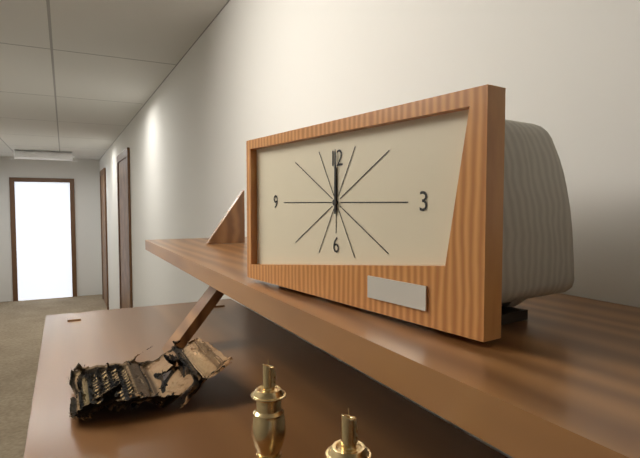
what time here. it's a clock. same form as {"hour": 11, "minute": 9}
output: {"hour": 12, "minute": 0}
